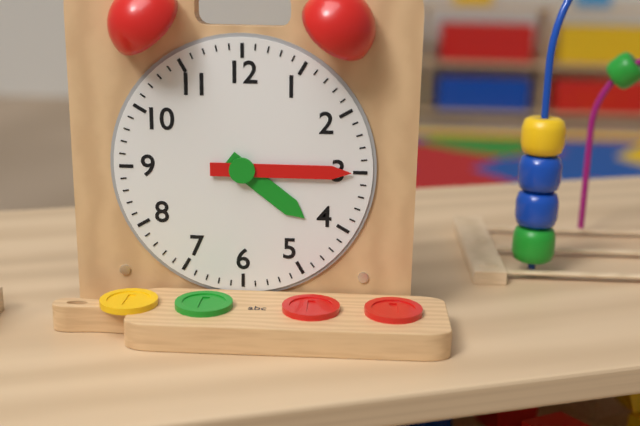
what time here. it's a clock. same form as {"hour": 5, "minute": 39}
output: {"hour": 4, "minute": 15}
